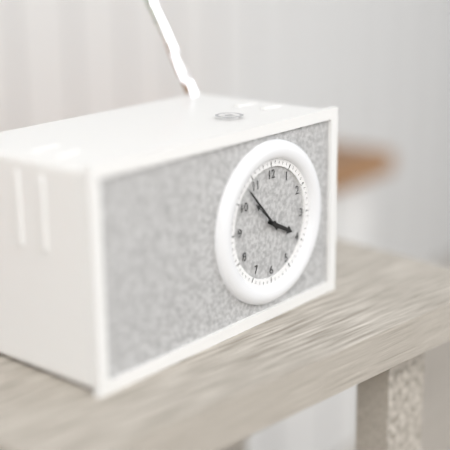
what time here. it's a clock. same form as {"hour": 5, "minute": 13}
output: {"hour": 3, "minute": 53}
